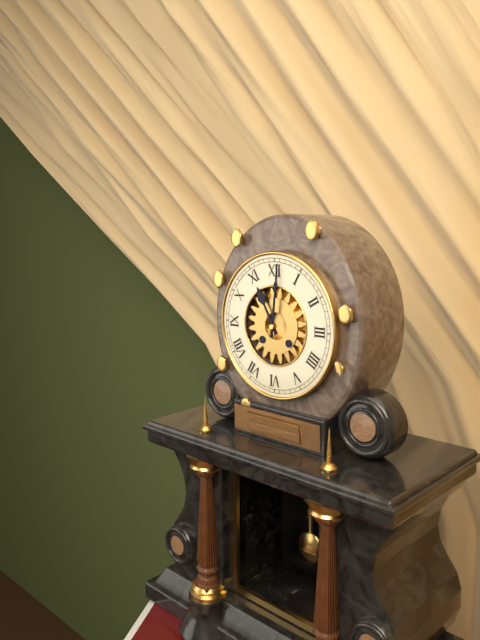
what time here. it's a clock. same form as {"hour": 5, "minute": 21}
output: {"hour": 11, "minute": 1}
